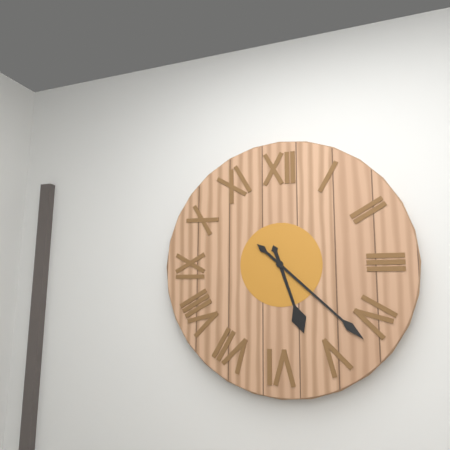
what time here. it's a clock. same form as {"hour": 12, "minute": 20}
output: {"hour": 5, "minute": 22}
